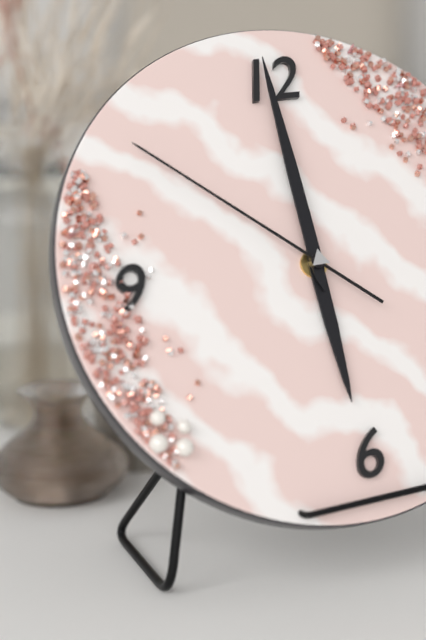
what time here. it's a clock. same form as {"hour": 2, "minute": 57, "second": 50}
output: {"hour": 6, "minute": 0, "second": 52}
